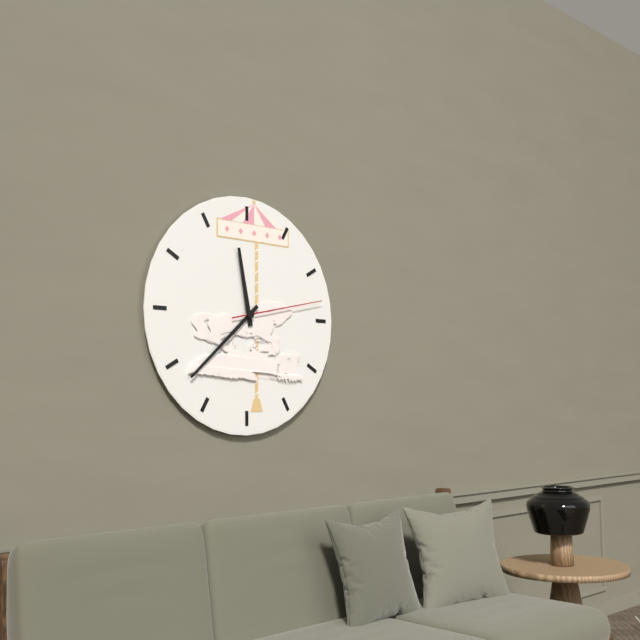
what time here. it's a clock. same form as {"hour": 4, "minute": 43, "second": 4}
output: {"hour": 11, "minute": 38, "second": 13}
